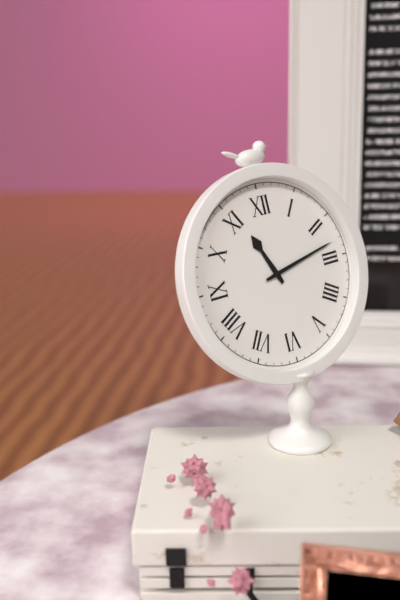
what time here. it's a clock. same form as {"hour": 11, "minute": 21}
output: {"hour": 11, "minute": 13}
